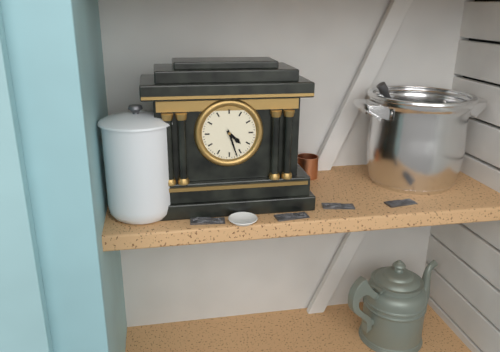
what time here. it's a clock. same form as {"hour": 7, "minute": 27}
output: {"hour": 4, "minute": 27}
